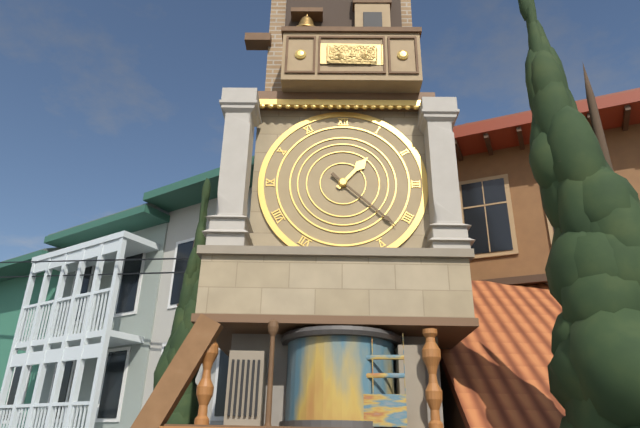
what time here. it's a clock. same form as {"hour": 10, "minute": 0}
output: {"hour": 1, "minute": 22}
